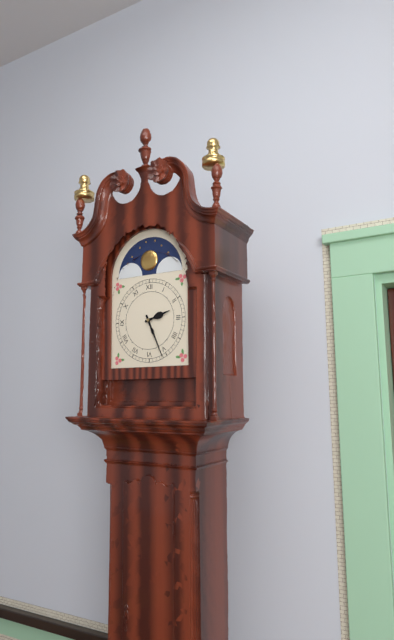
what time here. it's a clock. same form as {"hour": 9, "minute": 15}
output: {"hour": 2, "minute": 26}
